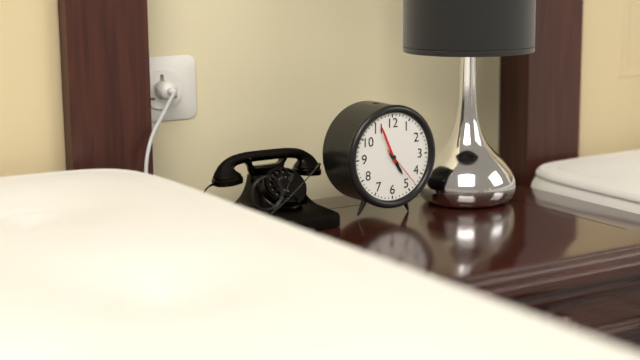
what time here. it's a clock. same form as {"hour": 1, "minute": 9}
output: {"hour": 4, "minute": 56}
